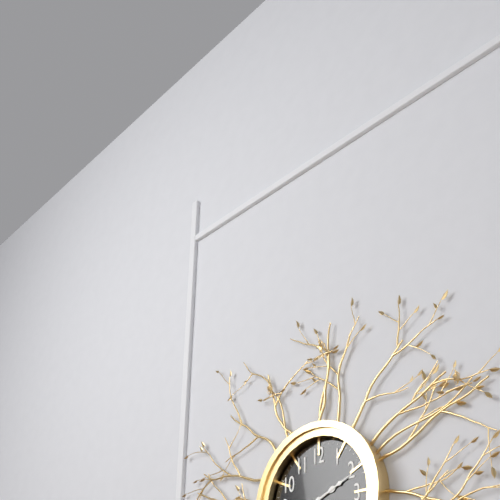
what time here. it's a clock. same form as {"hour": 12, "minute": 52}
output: {"hour": 2, "minute": 11}
